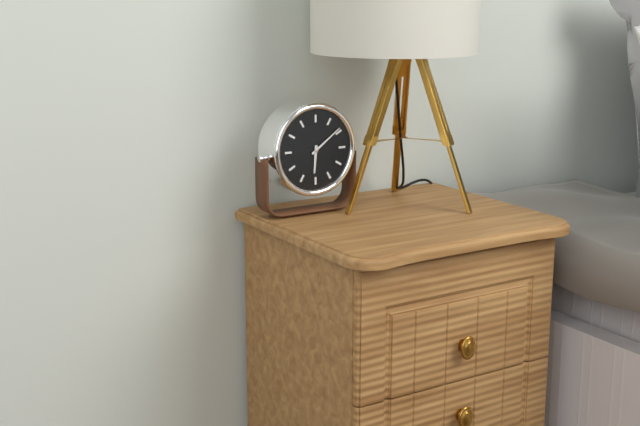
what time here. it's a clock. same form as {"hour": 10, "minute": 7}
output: {"hour": 6, "minute": 9}
